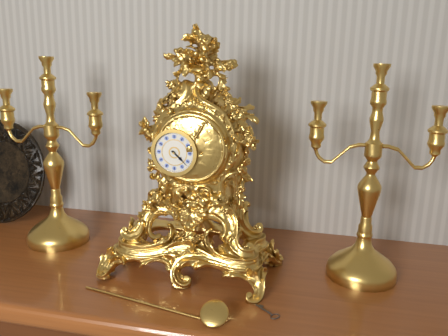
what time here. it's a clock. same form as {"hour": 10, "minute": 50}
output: {"hour": 4, "minute": 22}
